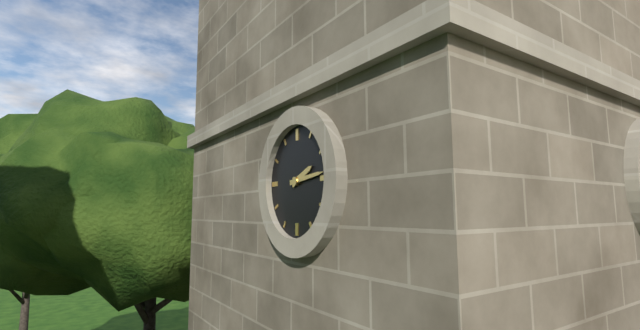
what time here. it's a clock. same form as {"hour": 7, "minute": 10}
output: {"hour": 2, "minute": 14}
